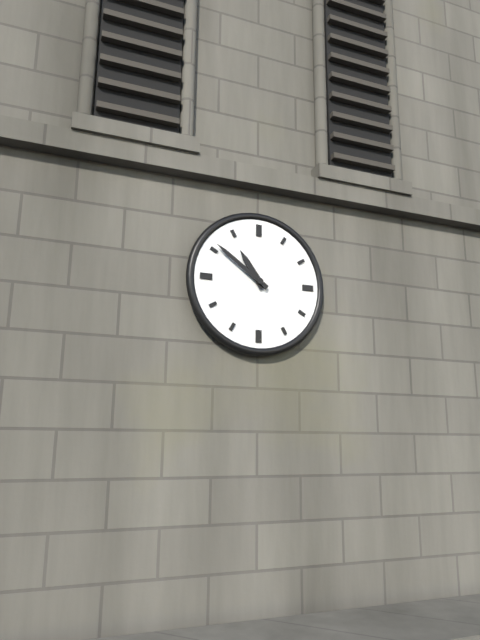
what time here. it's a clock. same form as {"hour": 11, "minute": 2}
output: {"hour": 10, "minute": 51}
